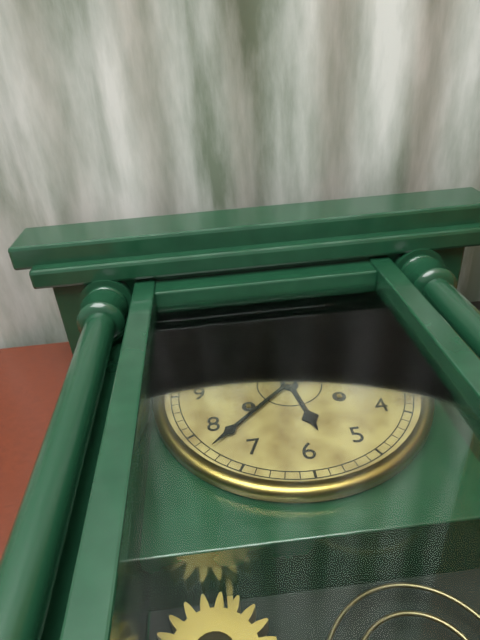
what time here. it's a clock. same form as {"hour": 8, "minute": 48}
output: {"hour": 5, "minute": 38}
